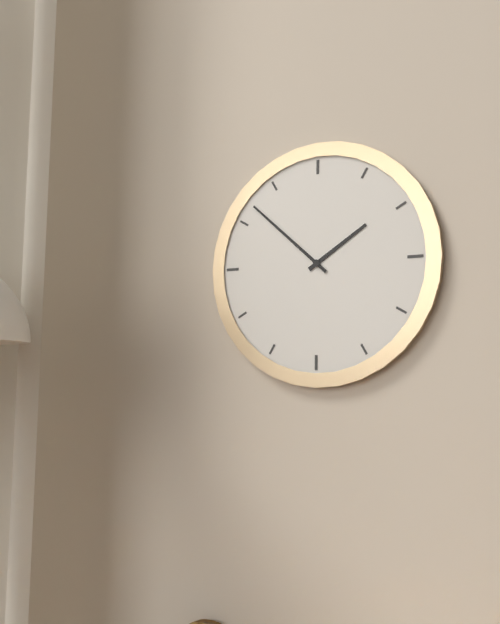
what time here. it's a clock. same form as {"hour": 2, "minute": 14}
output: {"hour": 1, "minute": 52}
